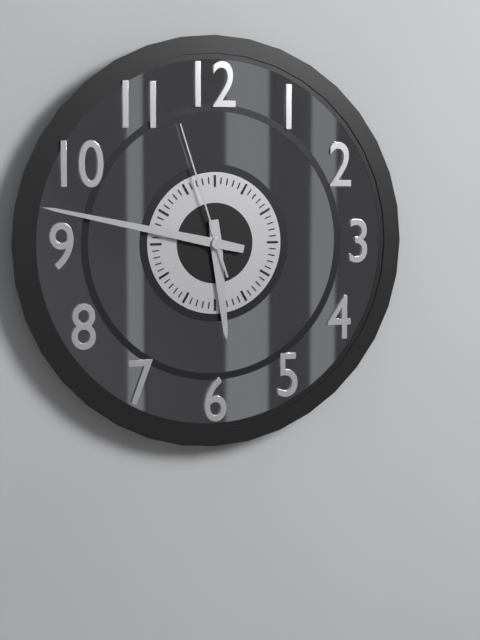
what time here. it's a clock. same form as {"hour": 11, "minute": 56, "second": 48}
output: {"hour": 5, "minute": 47, "second": 57}
